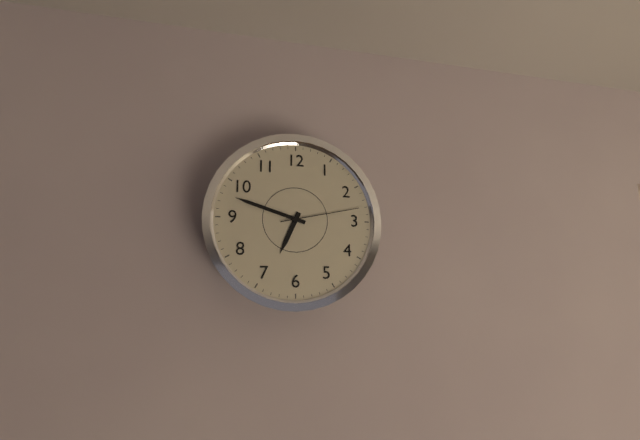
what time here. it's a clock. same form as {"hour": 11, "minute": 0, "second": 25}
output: {"hour": 6, "minute": 48, "second": 13}
